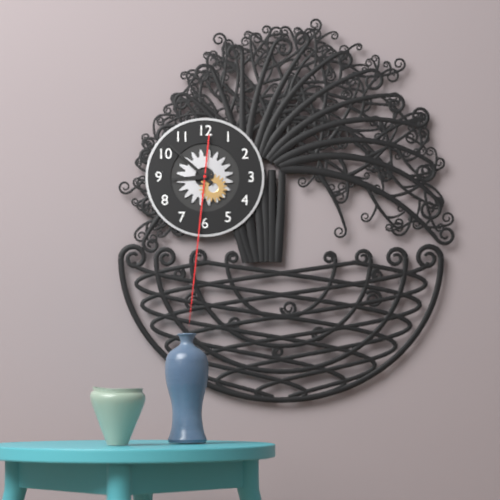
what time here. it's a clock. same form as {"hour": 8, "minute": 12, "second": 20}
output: {"hour": 8, "minute": 52, "second": 31}
